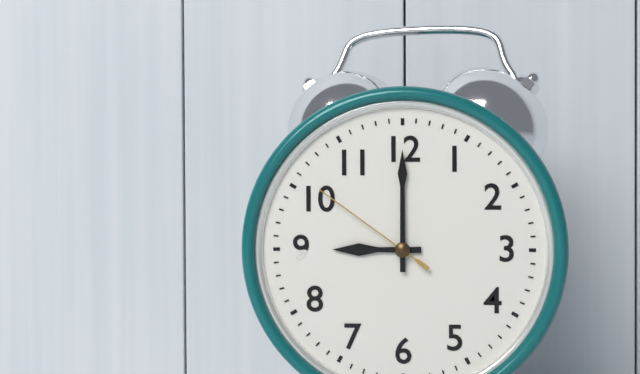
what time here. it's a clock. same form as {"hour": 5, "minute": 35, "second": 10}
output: {"hour": 9, "minute": 0, "second": 51}
